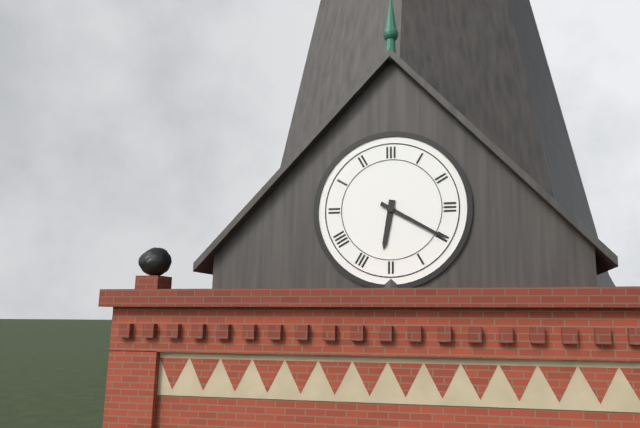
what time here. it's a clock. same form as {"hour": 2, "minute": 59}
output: {"hour": 6, "minute": 20}
